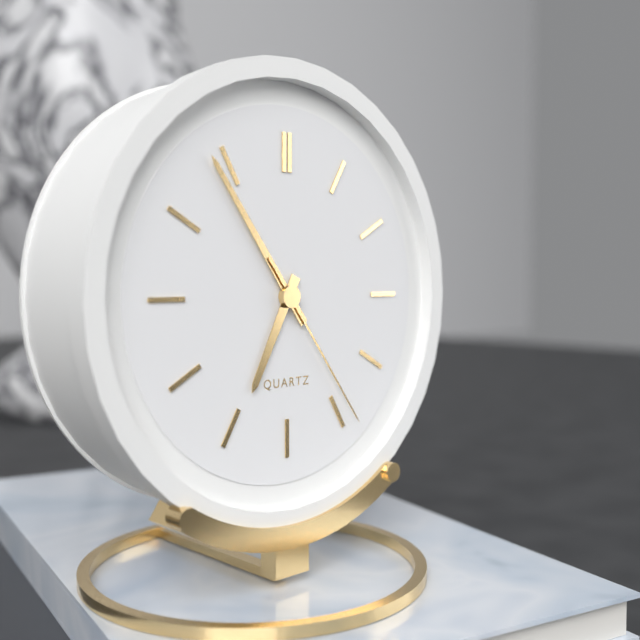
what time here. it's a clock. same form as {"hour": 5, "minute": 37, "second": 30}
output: {"hour": 6, "minute": 54, "second": 24}
